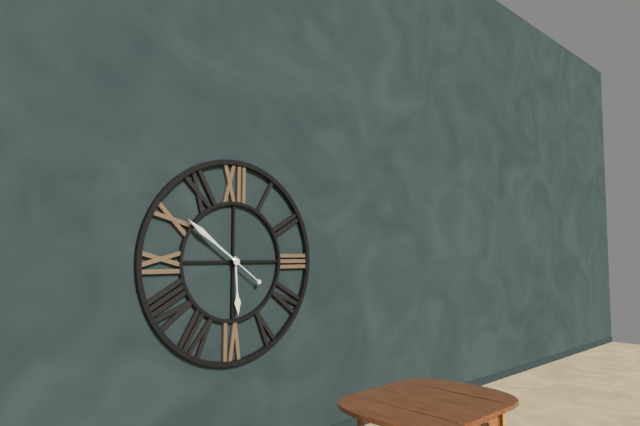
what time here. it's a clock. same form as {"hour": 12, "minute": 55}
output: {"hour": 5, "minute": 51}
